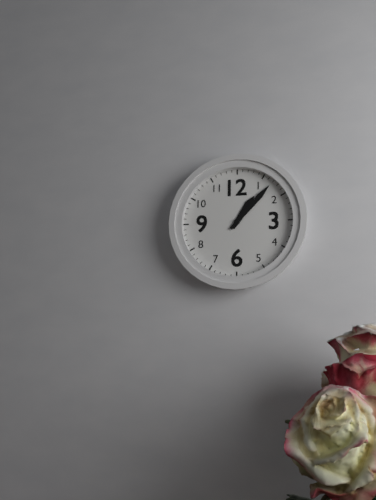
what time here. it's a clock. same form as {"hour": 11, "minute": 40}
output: {"hour": 1, "minute": 7}
